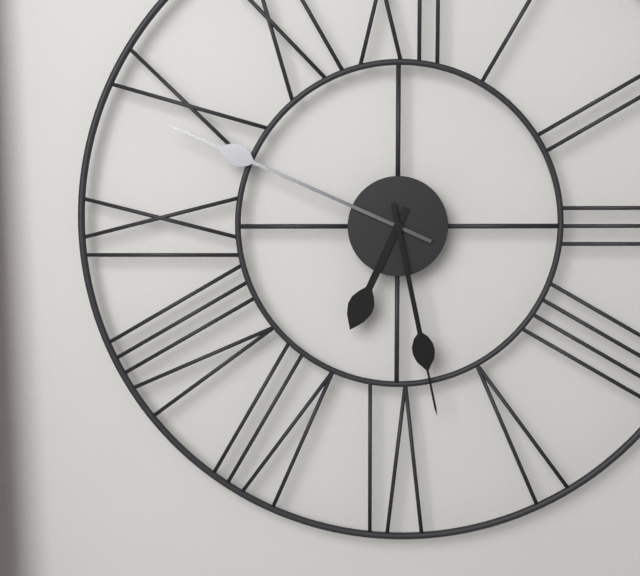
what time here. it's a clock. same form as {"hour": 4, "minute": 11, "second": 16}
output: {"hour": 6, "minute": 49, "second": 28}
